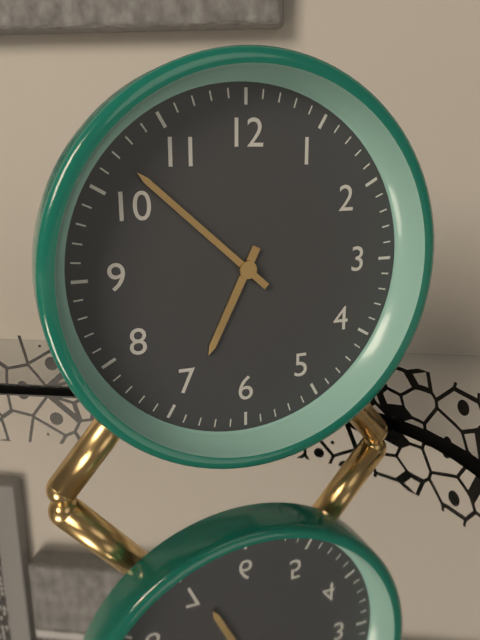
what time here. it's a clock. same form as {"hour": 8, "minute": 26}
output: {"hour": 6, "minute": 52}
